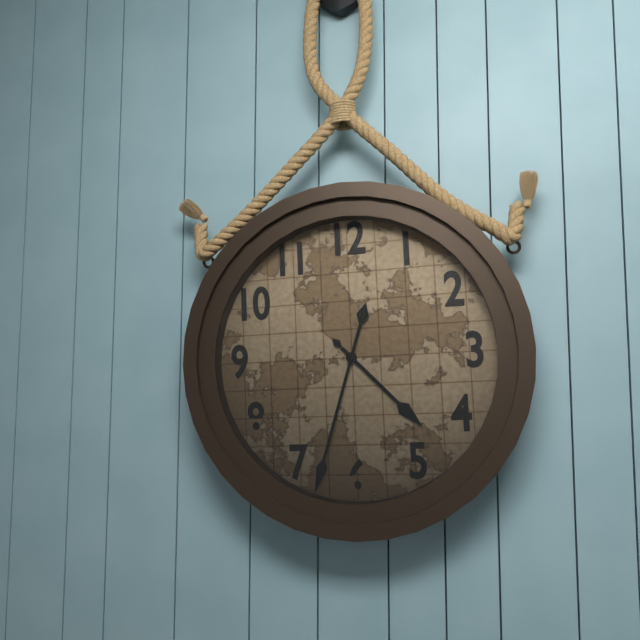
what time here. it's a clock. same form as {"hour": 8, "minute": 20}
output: {"hour": 4, "minute": 33}
